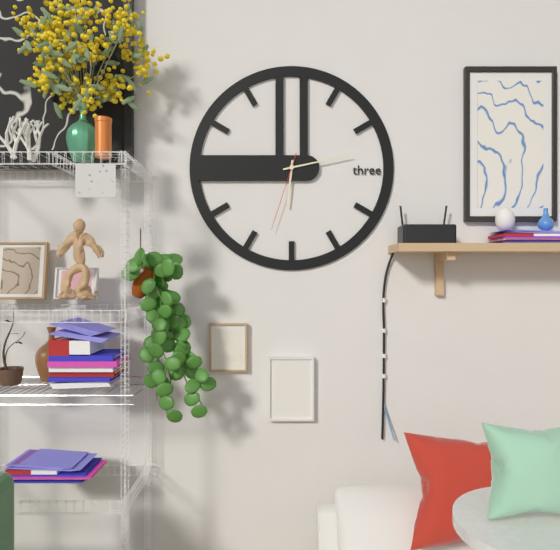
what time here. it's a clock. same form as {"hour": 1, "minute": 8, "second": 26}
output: {"hour": 6, "minute": 13, "second": 33}
